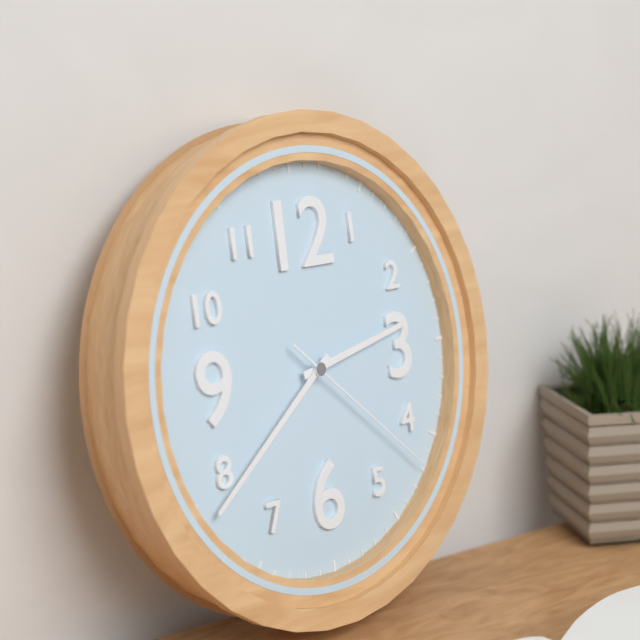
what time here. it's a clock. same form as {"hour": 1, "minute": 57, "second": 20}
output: {"hour": 2, "minute": 39, "second": 22}
